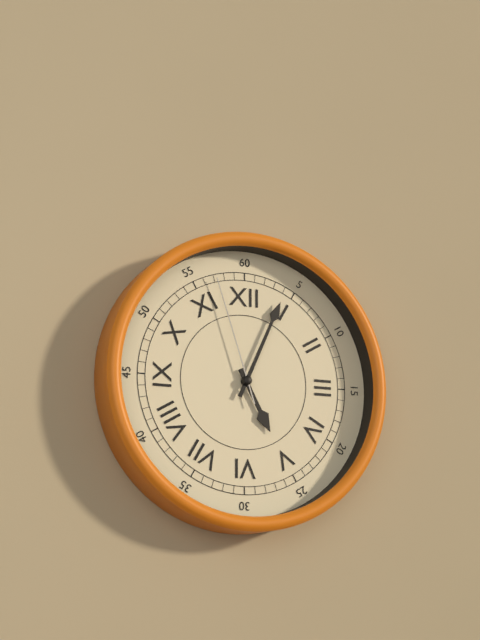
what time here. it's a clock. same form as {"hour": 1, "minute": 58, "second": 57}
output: {"hour": 5, "minute": 4, "second": 57}
